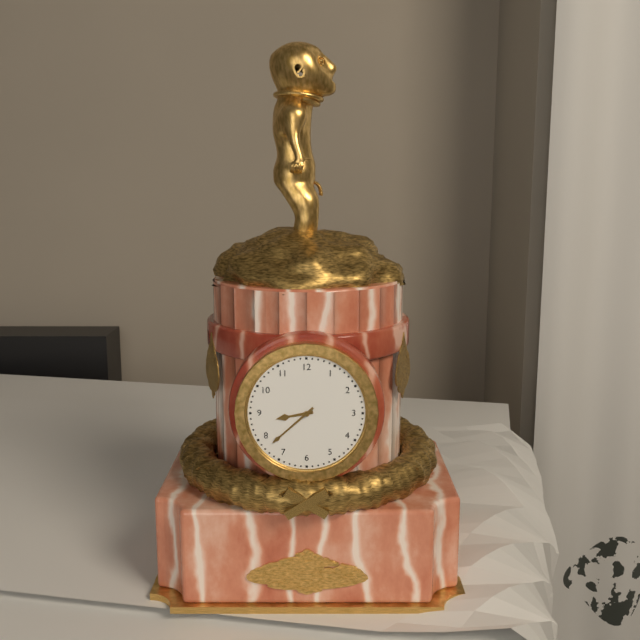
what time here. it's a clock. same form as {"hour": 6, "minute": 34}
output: {"hour": 8, "minute": 38}
